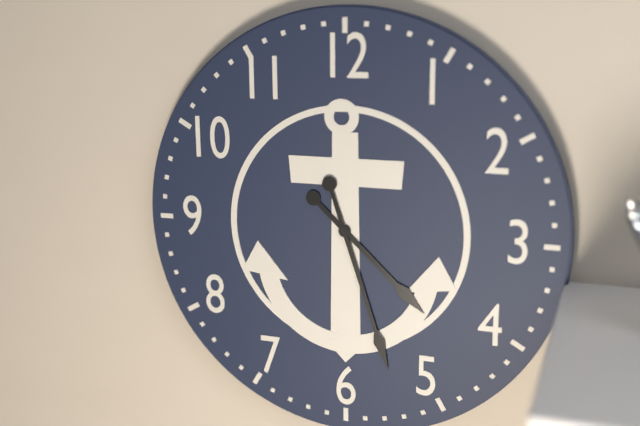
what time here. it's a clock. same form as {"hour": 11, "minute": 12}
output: {"hour": 4, "minute": 27}
